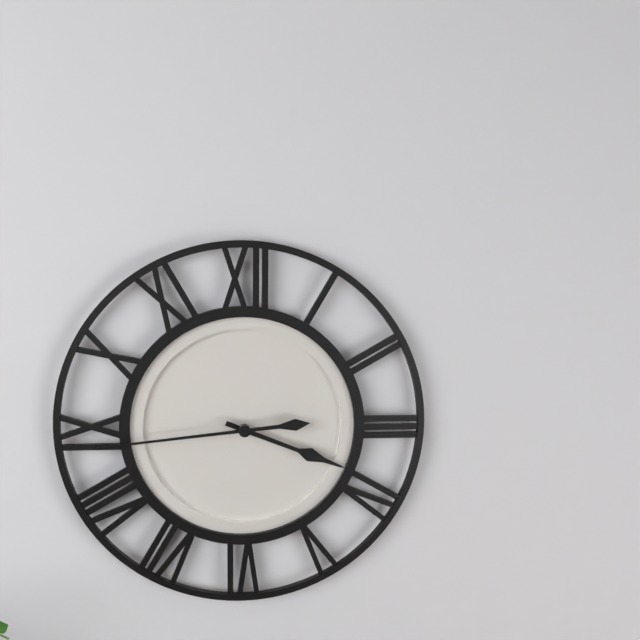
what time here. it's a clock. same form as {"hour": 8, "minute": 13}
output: {"hour": 3, "minute": 44}
